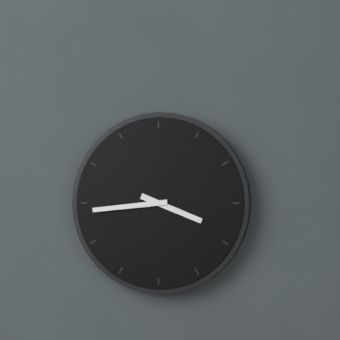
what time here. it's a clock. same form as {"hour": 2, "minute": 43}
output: {"hour": 3, "minute": 44}
